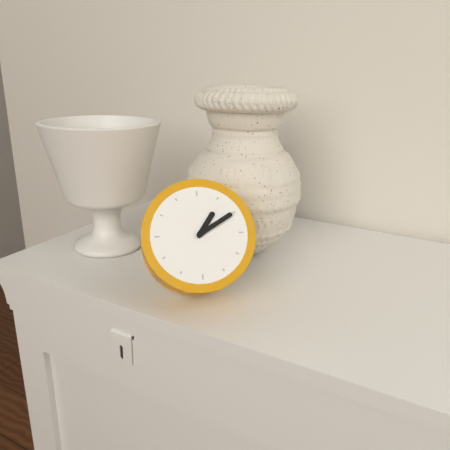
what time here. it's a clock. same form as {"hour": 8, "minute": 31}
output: {"hour": 1, "minute": 10}
